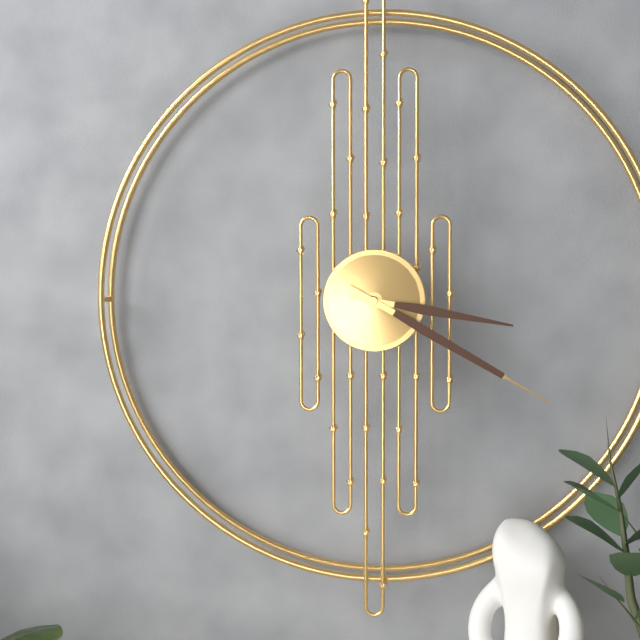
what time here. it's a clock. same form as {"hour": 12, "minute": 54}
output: {"hour": 3, "minute": 20}
